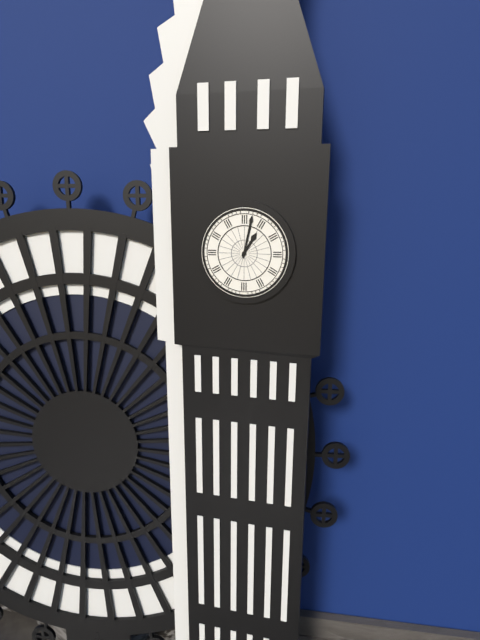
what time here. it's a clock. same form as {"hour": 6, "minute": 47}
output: {"hour": 1, "minute": 2}
